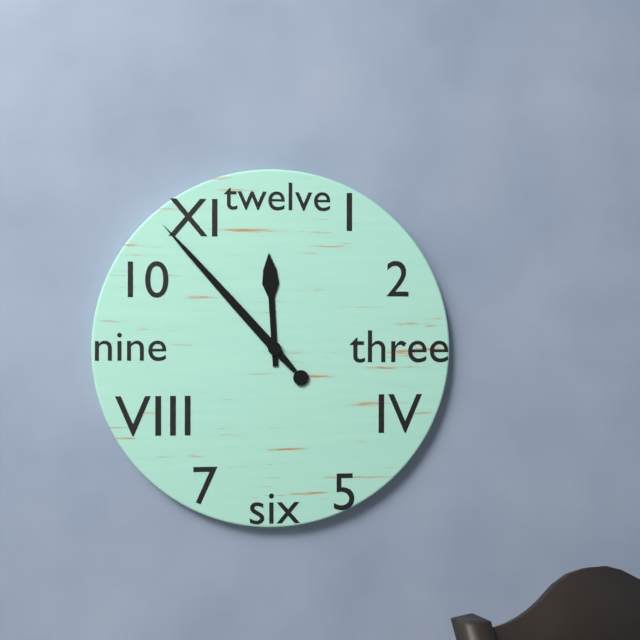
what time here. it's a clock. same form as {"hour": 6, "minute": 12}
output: {"hour": 11, "minute": 53}
